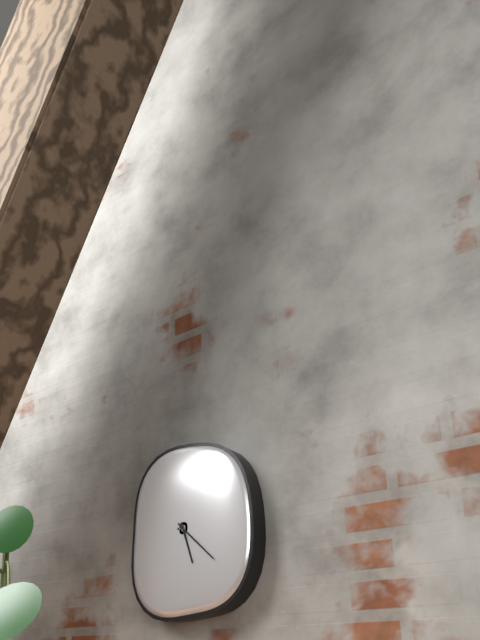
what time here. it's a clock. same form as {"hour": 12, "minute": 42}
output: {"hour": 5, "minute": 22}
